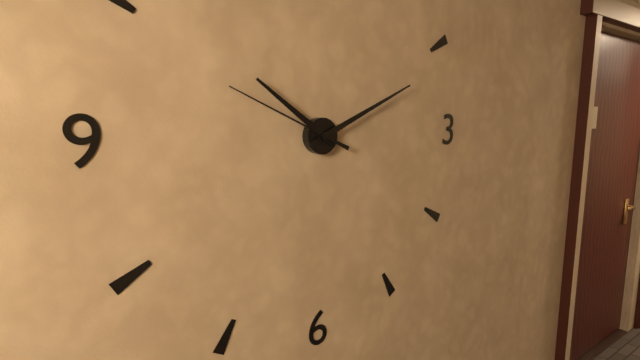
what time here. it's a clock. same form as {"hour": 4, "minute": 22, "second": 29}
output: {"hour": 10, "minute": 11, "second": 49}
